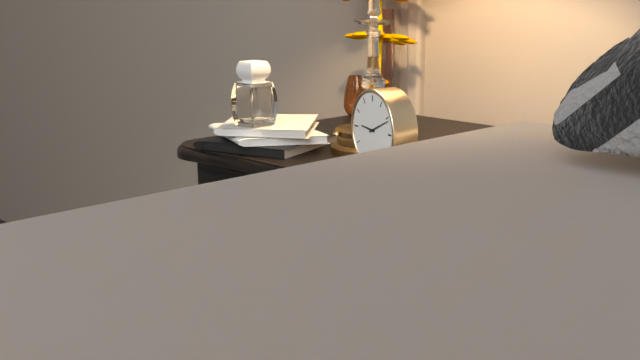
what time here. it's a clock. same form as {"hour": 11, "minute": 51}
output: {"hour": 9, "minute": 11}
